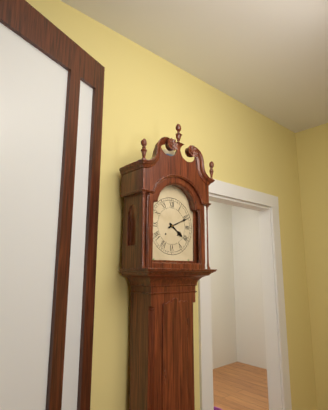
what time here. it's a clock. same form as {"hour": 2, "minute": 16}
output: {"hour": 4, "minute": 11}
